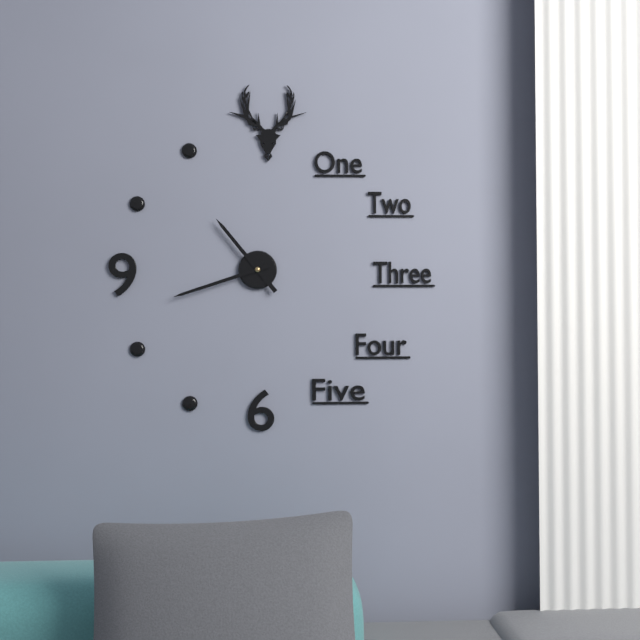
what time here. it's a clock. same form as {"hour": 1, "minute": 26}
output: {"hour": 10, "minute": 42}
